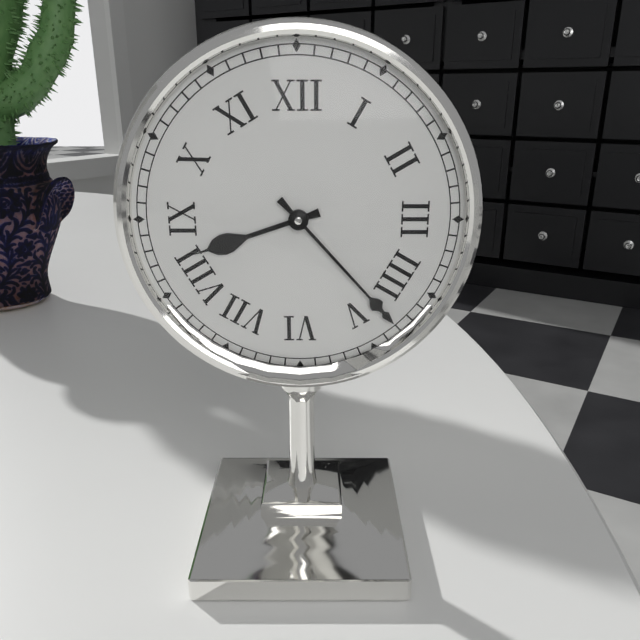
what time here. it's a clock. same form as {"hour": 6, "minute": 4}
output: {"hour": 8, "minute": 23}
